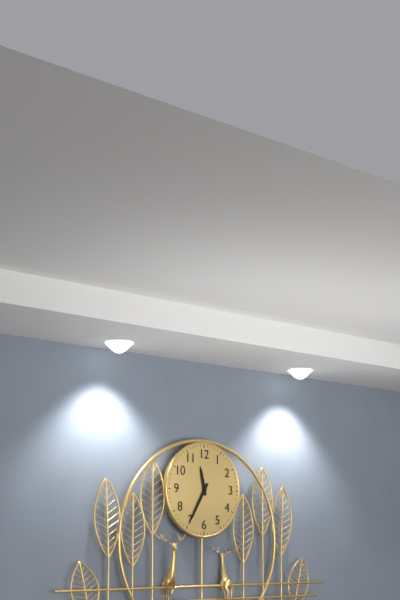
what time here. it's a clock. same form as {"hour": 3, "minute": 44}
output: {"hour": 11, "minute": 35}
